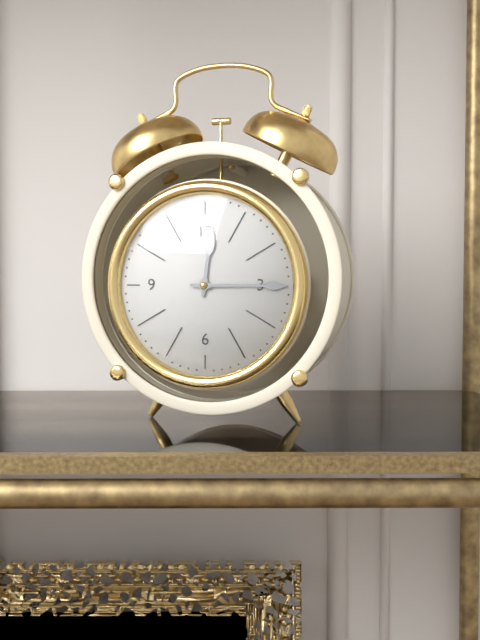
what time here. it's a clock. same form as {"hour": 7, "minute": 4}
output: {"hour": 12, "minute": 15}
